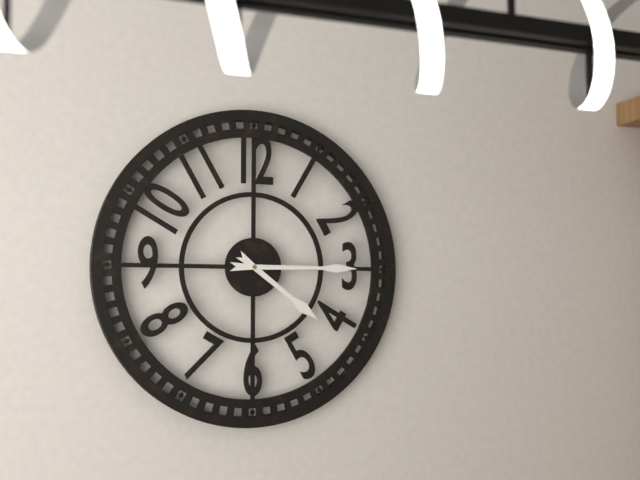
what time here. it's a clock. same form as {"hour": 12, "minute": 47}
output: {"hour": 4, "minute": 15}
